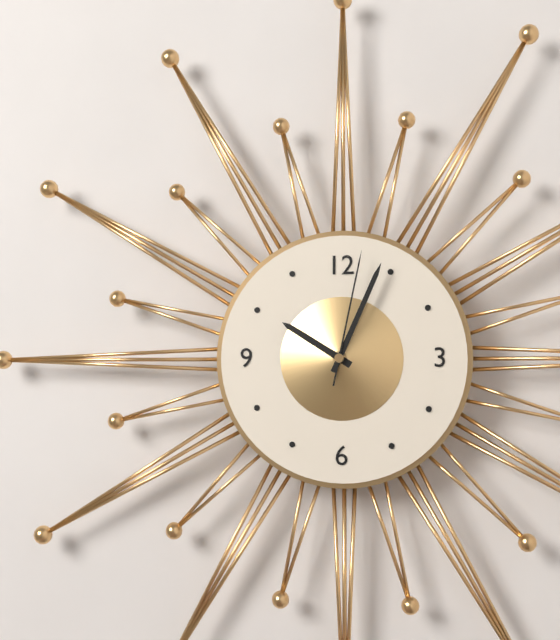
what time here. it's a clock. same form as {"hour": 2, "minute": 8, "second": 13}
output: {"hour": 10, "minute": 4, "second": 2}
